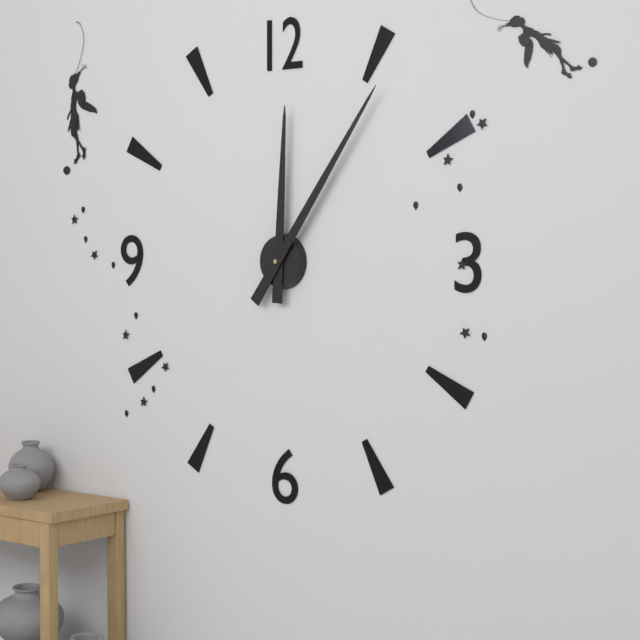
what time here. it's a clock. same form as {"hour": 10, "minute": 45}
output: {"hour": 12, "minute": 6}
